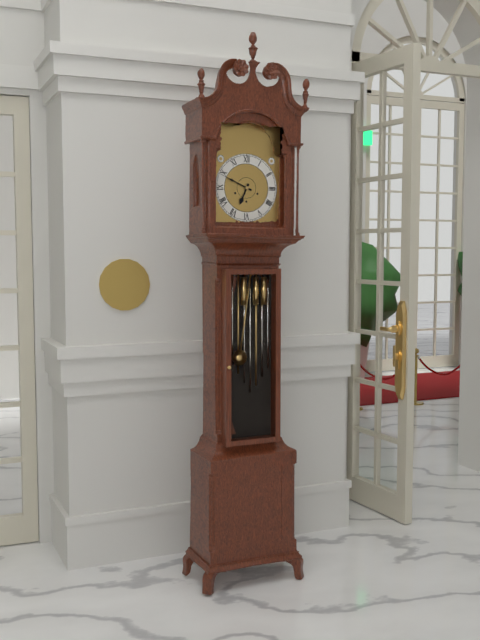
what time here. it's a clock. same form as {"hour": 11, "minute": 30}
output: {"hour": 6, "minute": 49}
